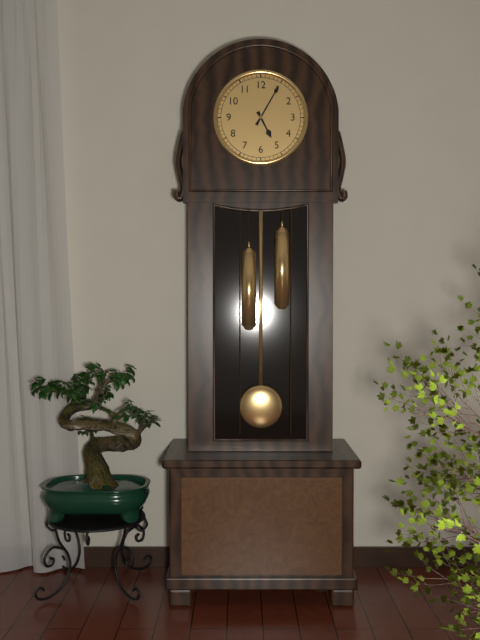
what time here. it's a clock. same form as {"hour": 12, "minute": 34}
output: {"hour": 5, "minute": 5}
